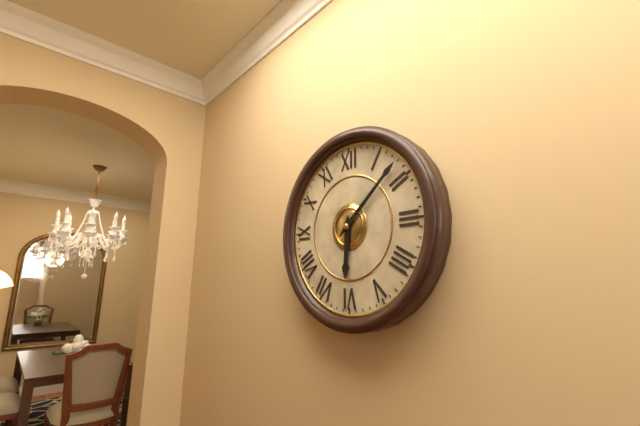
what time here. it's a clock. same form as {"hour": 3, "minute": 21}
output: {"hour": 6, "minute": 8}
